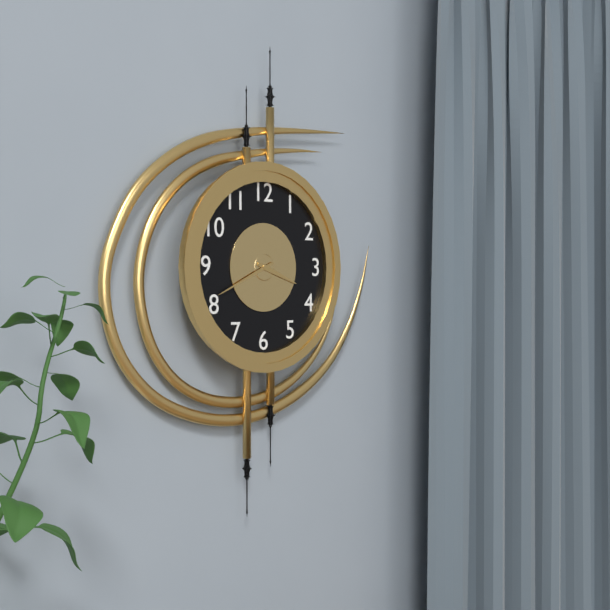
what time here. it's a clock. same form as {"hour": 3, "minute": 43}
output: {"hour": 3, "minute": 41}
